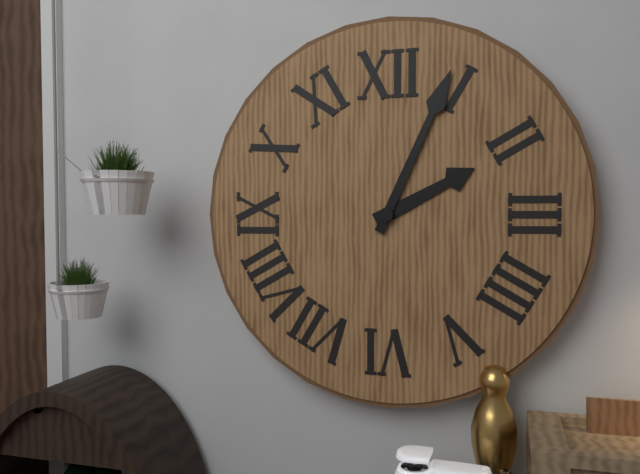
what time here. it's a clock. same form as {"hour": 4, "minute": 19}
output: {"hour": 2, "minute": 4}
